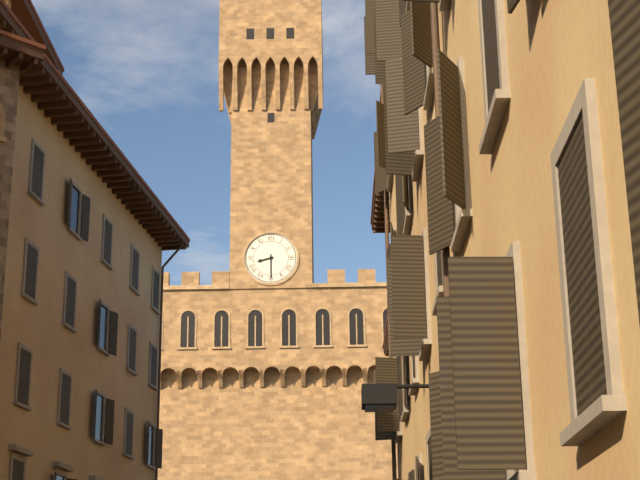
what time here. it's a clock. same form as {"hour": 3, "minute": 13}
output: {"hour": 8, "minute": 30}
